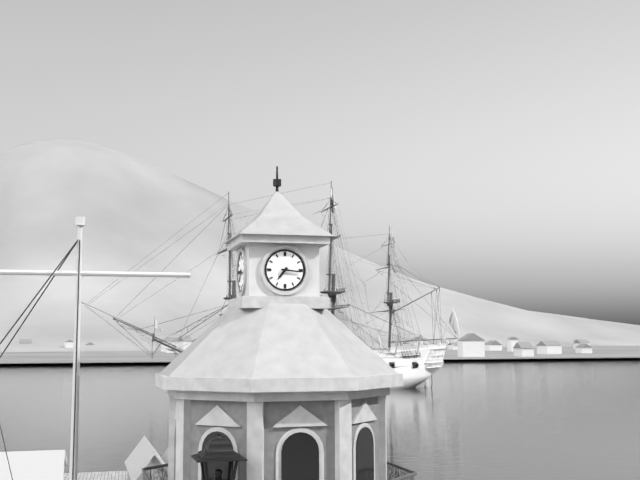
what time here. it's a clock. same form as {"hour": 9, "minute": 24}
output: {"hour": 7, "minute": 16}
